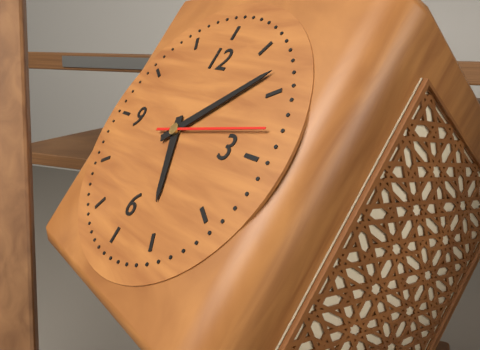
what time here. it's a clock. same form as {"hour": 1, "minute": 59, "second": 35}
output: {"hour": 5, "minute": 8, "second": 13}
